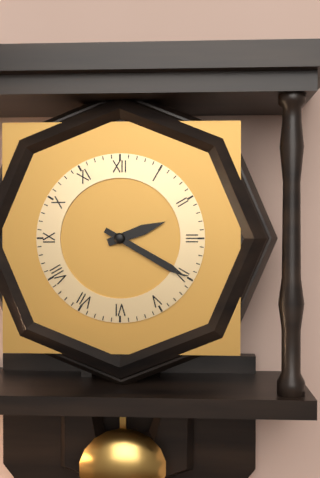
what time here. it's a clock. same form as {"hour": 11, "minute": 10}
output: {"hour": 2, "minute": 20}
